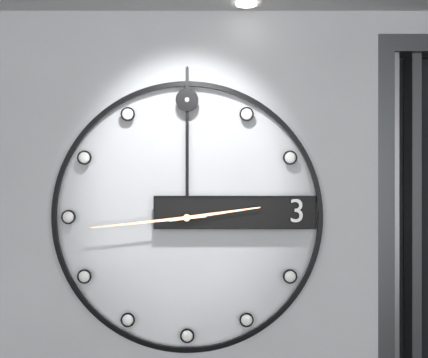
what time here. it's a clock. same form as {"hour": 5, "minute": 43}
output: {"hour": 2, "minute": 44}
